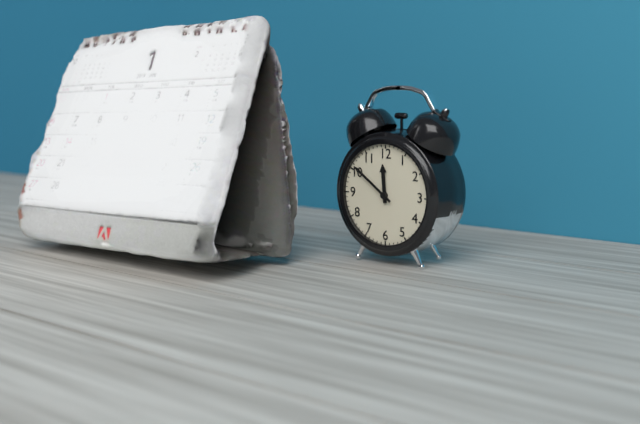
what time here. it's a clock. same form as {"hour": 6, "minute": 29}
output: {"hour": 11, "minute": 51}
